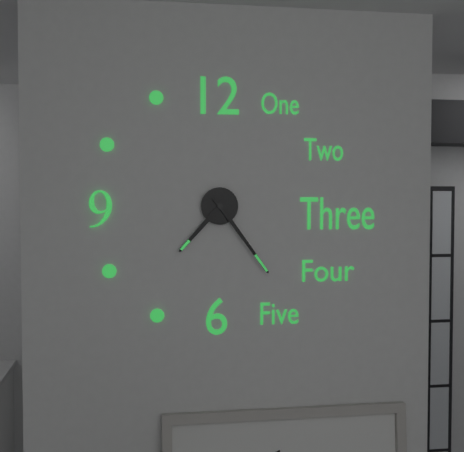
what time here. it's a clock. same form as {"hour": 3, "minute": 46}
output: {"hour": 7, "minute": 24}
